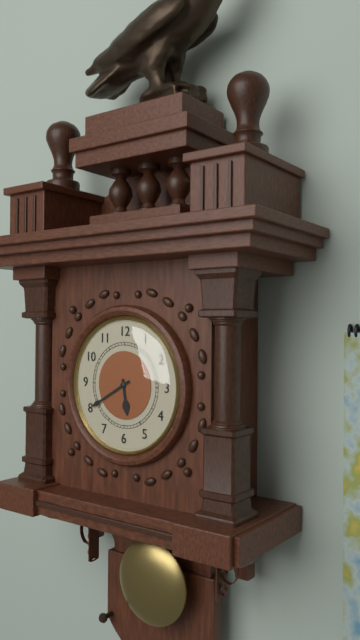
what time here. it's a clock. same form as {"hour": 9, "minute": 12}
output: {"hour": 5, "minute": 40}
